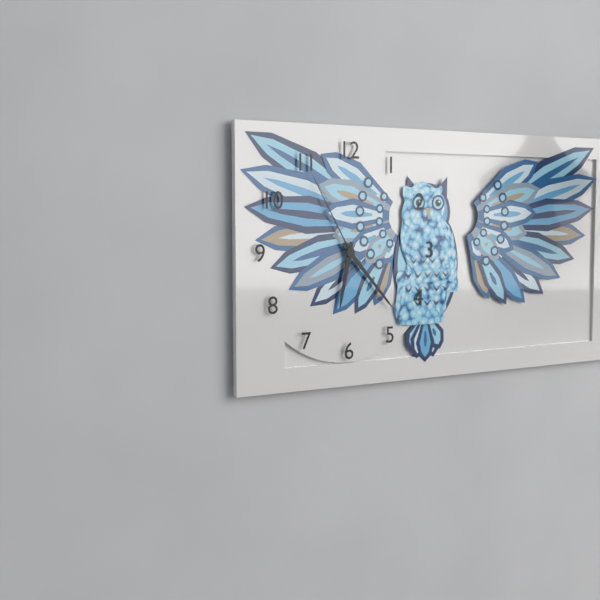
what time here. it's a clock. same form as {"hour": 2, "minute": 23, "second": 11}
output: {"hour": 6, "minute": 23, "second": 55}
